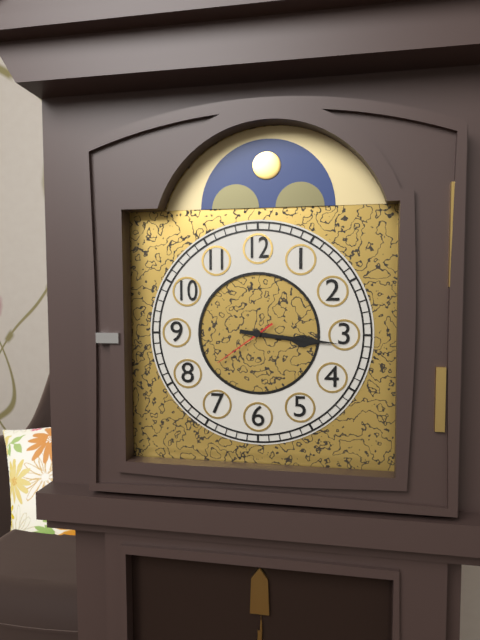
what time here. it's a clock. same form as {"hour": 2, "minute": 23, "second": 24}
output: {"hour": 3, "minute": 16, "second": 39}
